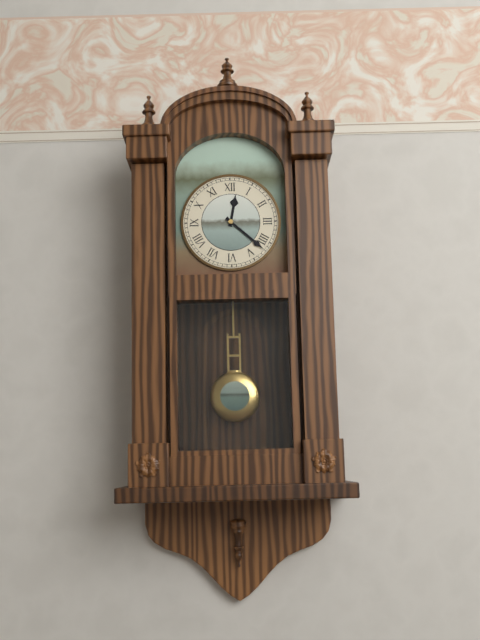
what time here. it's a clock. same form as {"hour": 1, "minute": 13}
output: {"hour": 12, "minute": 22}
